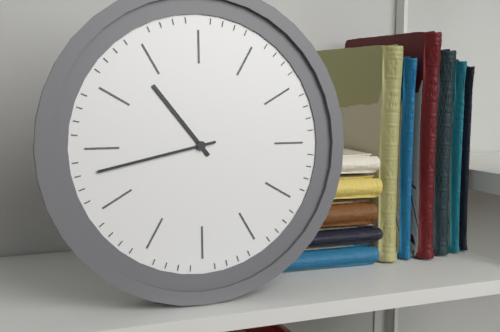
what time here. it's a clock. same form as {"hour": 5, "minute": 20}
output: {"hour": 10, "minute": 43}
